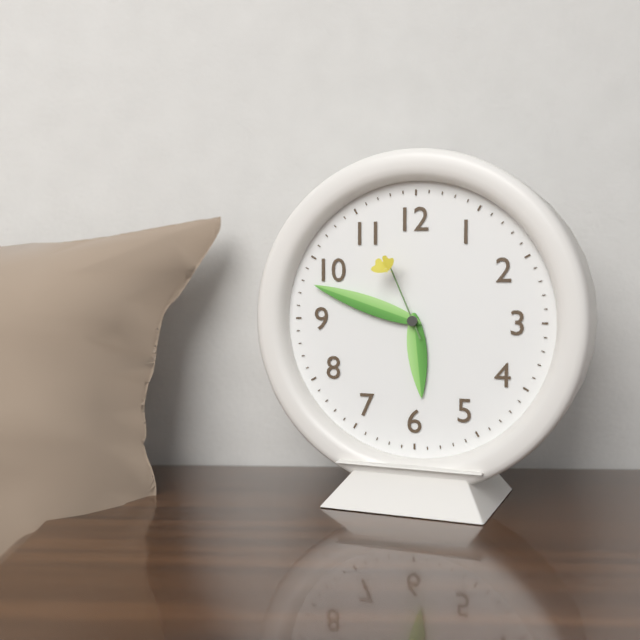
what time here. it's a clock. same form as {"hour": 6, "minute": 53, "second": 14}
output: {"hour": 5, "minute": 48, "second": 56}
